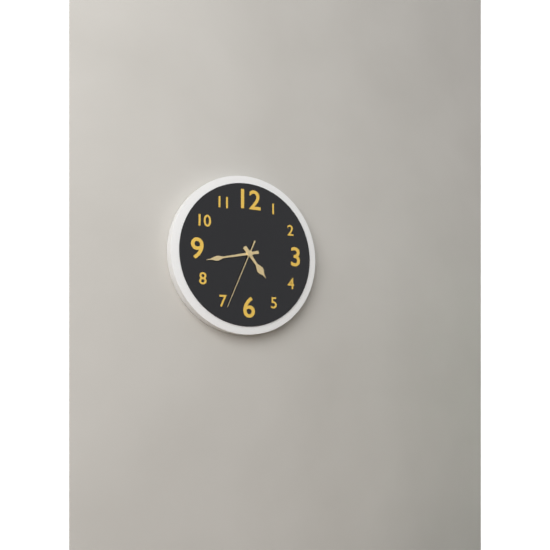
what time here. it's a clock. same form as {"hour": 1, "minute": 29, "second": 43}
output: {"hour": 4, "minute": 43, "second": 34}
